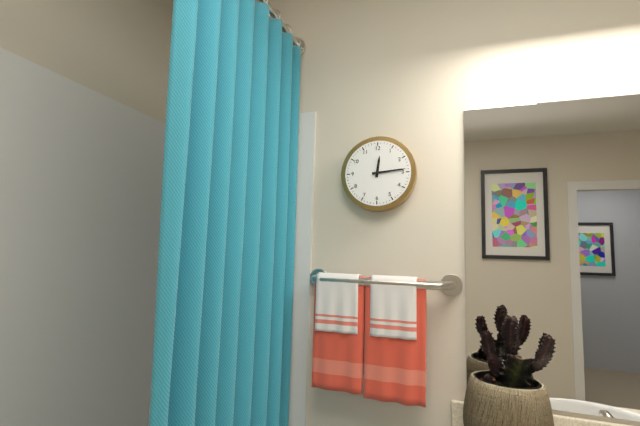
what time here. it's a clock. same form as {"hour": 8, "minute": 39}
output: {"hour": 12, "minute": 14}
